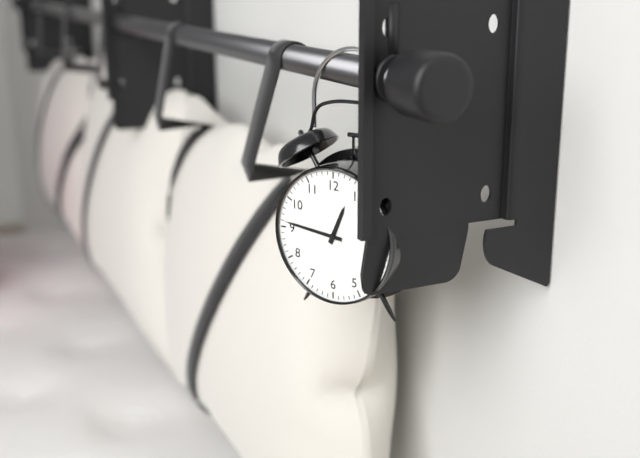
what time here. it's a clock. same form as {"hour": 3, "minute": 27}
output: {"hour": 12, "minute": 46}
